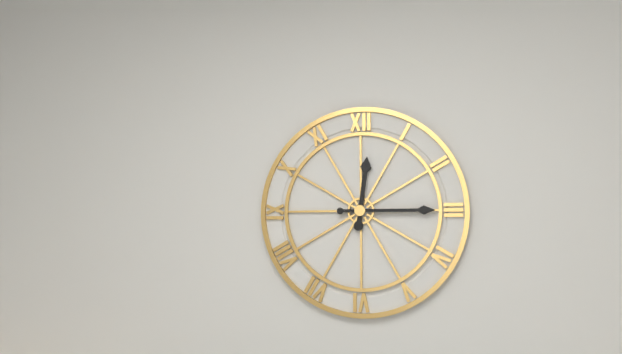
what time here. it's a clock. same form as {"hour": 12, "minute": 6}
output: {"hour": 12, "minute": 15}
